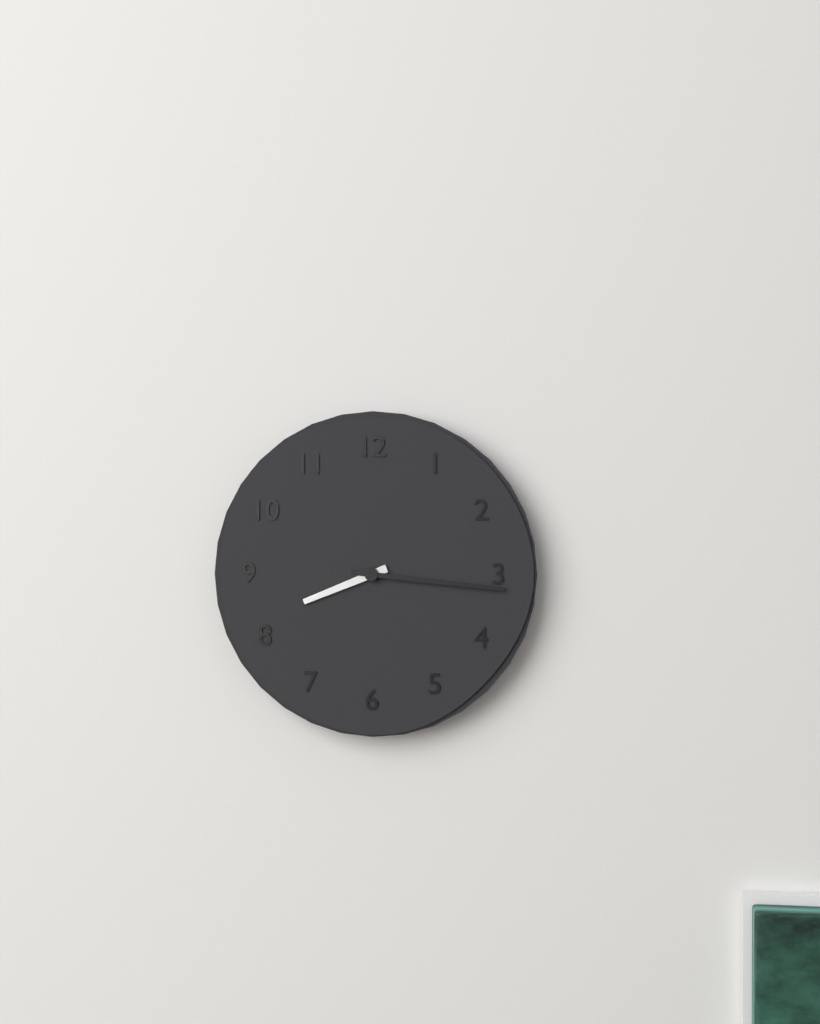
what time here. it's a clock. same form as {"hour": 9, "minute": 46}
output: {"hour": 8, "minute": 16}
